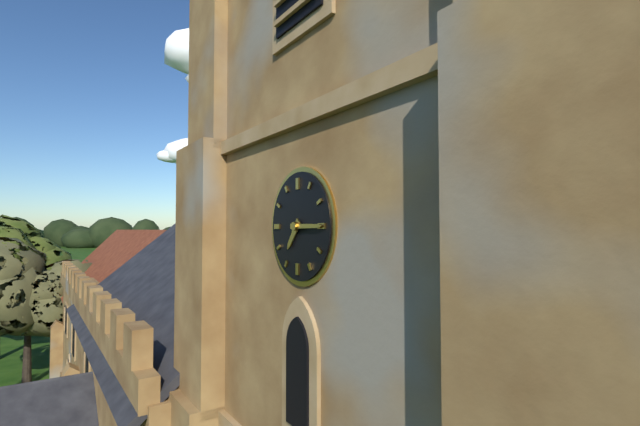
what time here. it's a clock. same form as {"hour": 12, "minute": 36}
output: {"hour": 7, "minute": 15}
